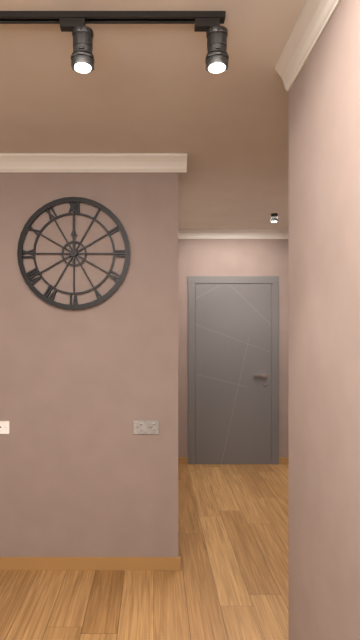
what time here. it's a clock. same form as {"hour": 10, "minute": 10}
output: {"hour": 12, "minute": 0}
